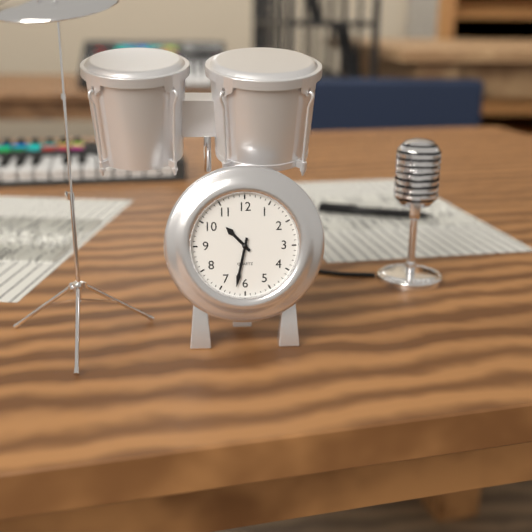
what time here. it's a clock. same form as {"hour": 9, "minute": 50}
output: {"hour": 10, "minute": 32}
